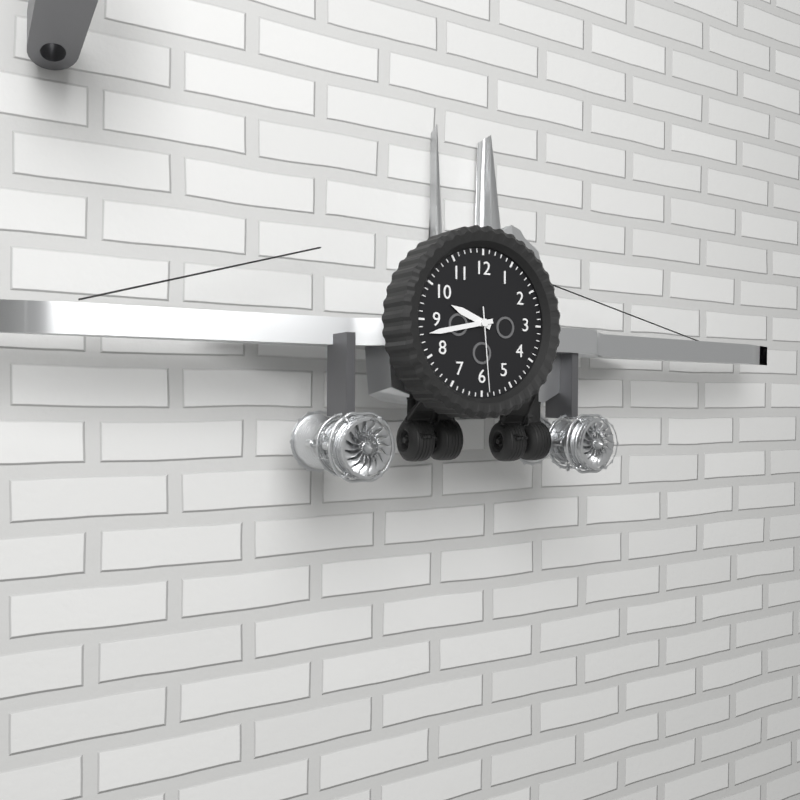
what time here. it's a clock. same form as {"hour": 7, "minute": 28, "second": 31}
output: {"hour": 9, "minute": 43, "second": 29}
